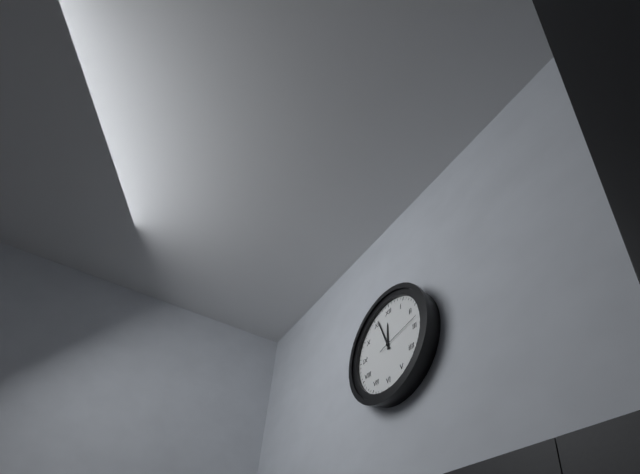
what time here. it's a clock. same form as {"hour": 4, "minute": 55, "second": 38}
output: {"hour": 11, "minute": 56, "second": 13}
